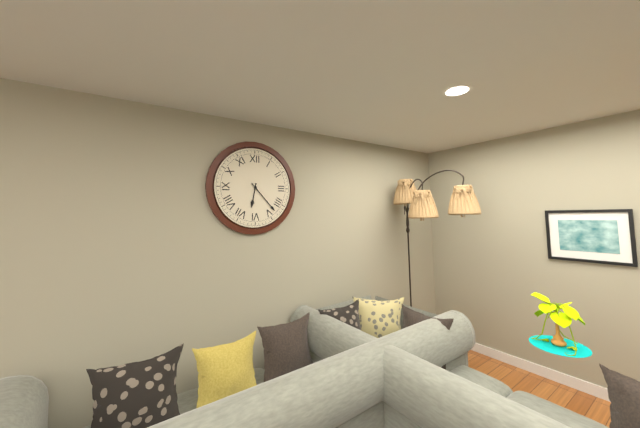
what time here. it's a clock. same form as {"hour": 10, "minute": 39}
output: {"hour": 6, "minute": 23}
